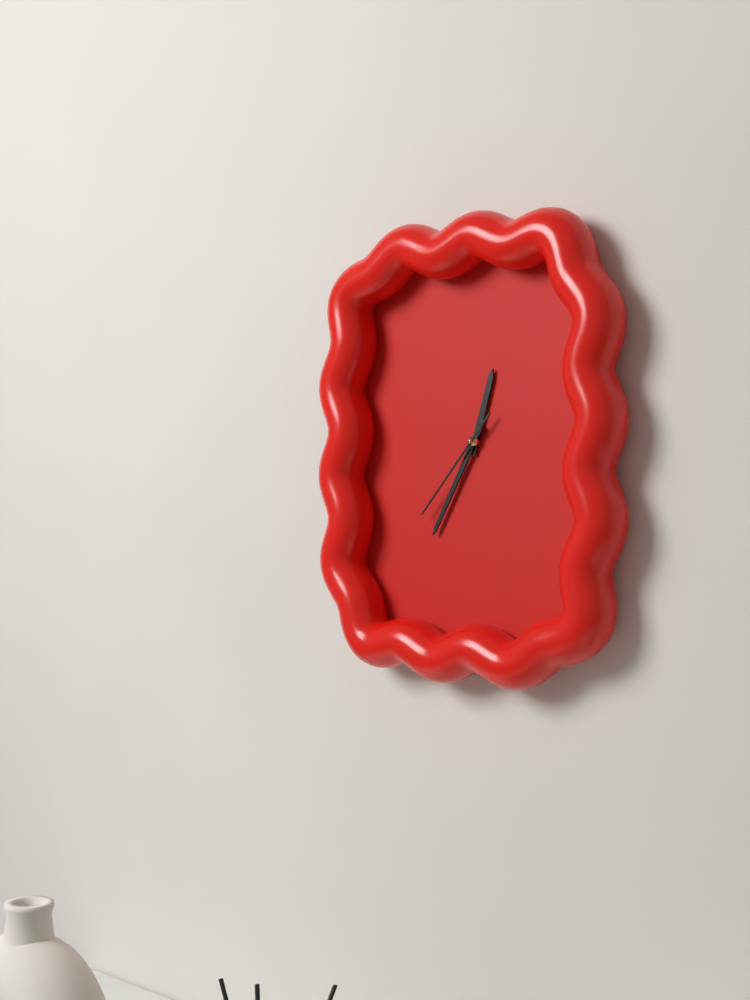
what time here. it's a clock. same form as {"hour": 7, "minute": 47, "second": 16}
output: {"hour": 12, "minute": 35, "second": 37}
